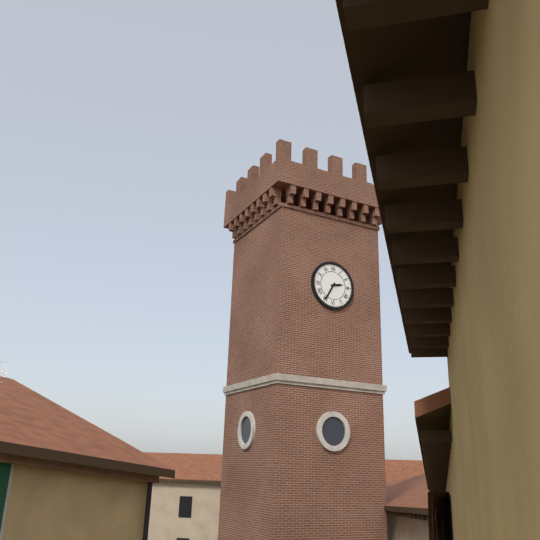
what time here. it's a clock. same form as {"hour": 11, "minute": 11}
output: {"hour": 2, "minute": 35}
